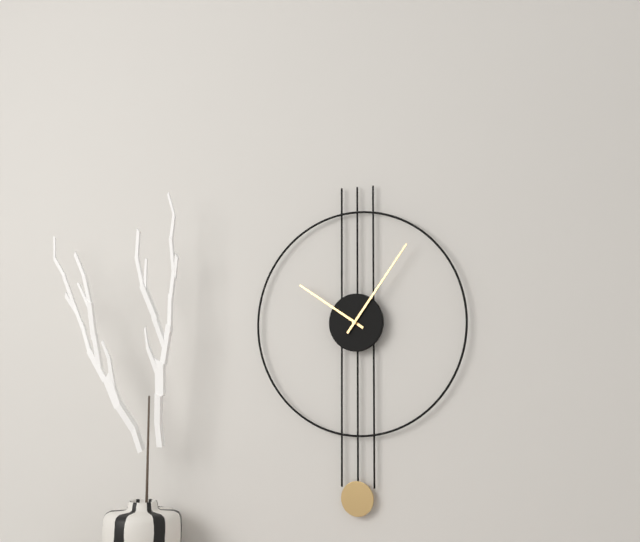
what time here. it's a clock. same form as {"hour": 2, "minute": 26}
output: {"hour": 10, "minute": 6}
